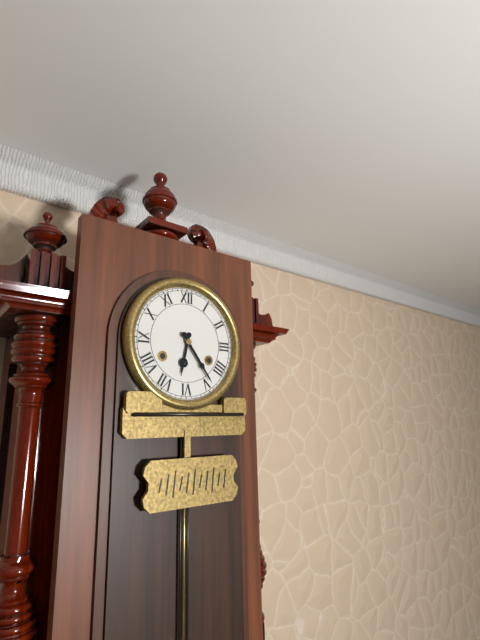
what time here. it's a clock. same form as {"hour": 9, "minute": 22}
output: {"hour": 6, "minute": 24}
